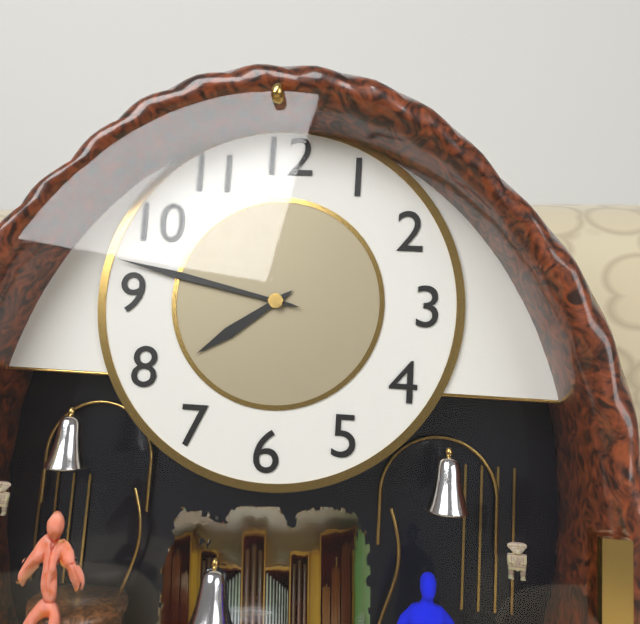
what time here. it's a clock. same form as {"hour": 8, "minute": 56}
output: {"hour": 7, "minute": 47}
